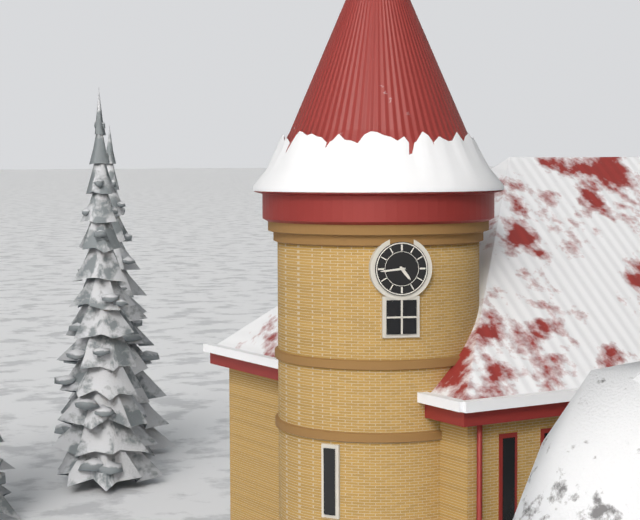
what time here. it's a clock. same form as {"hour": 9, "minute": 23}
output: {"hour": 4, "minute": 44}
